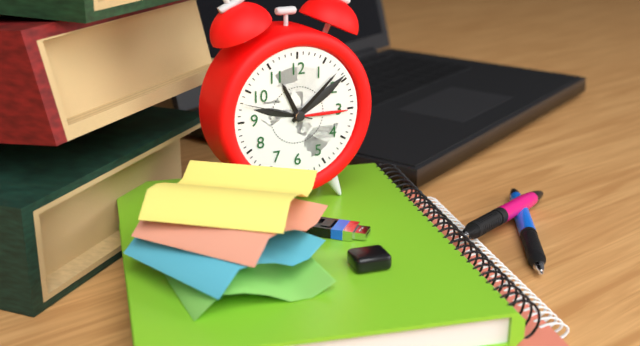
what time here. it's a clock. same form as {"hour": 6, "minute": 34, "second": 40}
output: {"hour": 11, "minute": 8, "second": 48}
